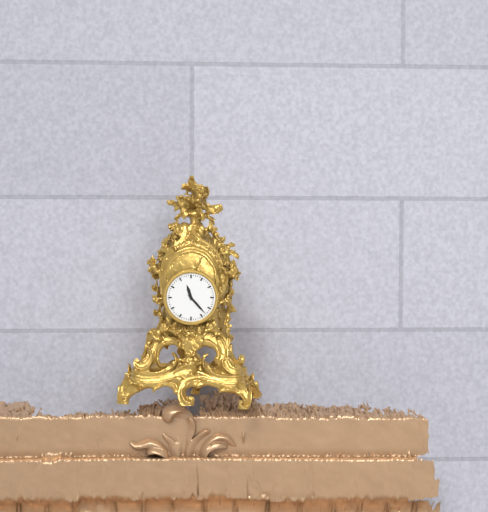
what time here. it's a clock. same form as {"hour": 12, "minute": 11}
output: {"hour": 11, "minute": 23}
